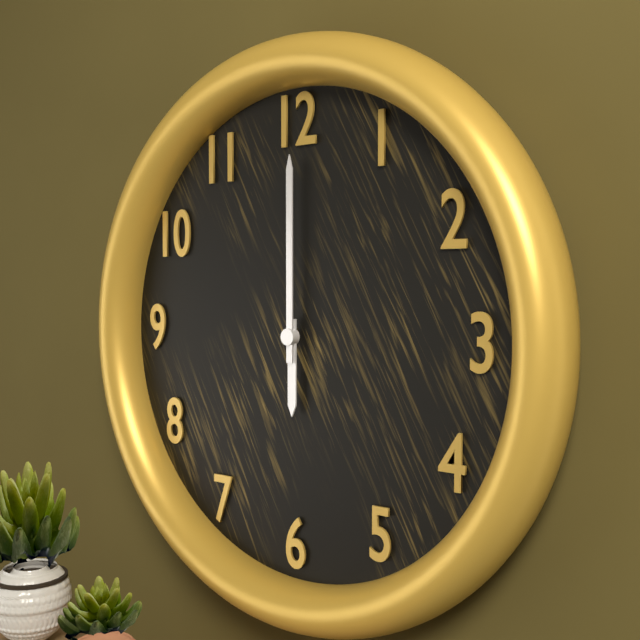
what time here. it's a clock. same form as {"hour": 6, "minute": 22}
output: {"hour": 6, "minute": 0}
